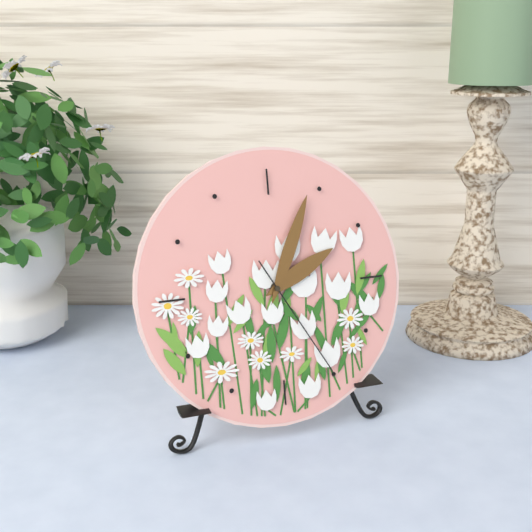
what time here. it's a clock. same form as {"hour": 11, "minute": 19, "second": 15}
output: {"hour": 2, "minute": 4, "second": 25}
